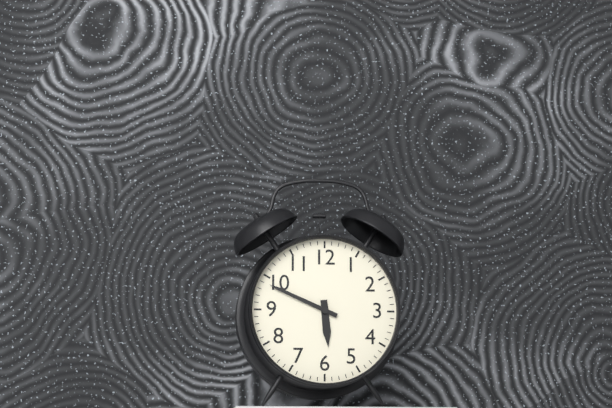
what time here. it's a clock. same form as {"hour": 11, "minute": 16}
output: {"hour": 5, "minute": 49}
